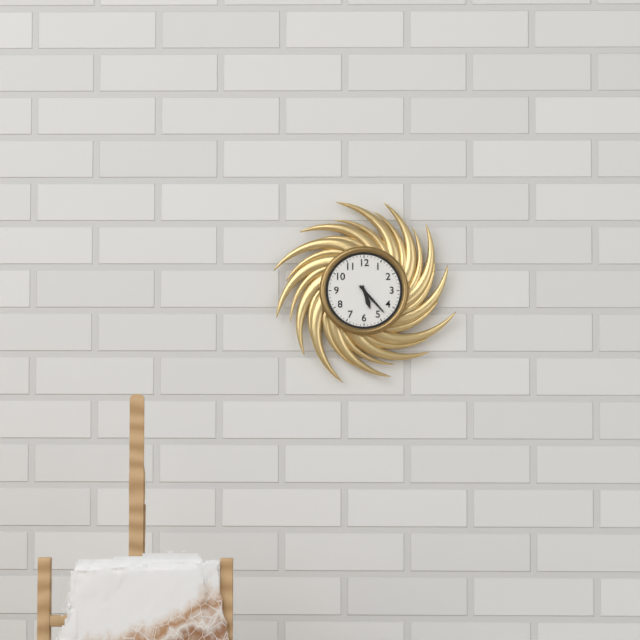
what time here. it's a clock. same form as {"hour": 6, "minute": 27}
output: {"hour": 5, "minute": 23}
